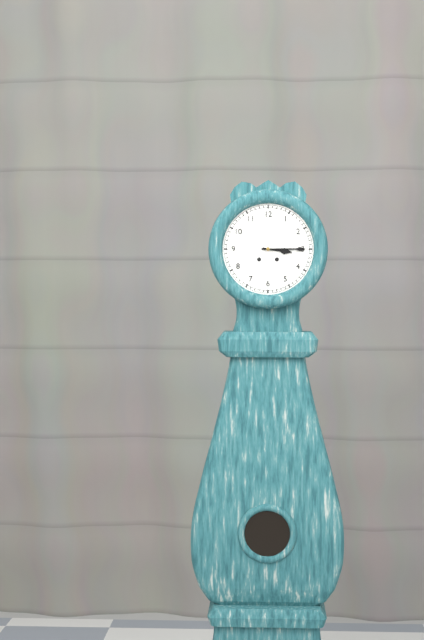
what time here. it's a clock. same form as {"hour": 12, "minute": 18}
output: {"hour": 3, "minute": 15}
